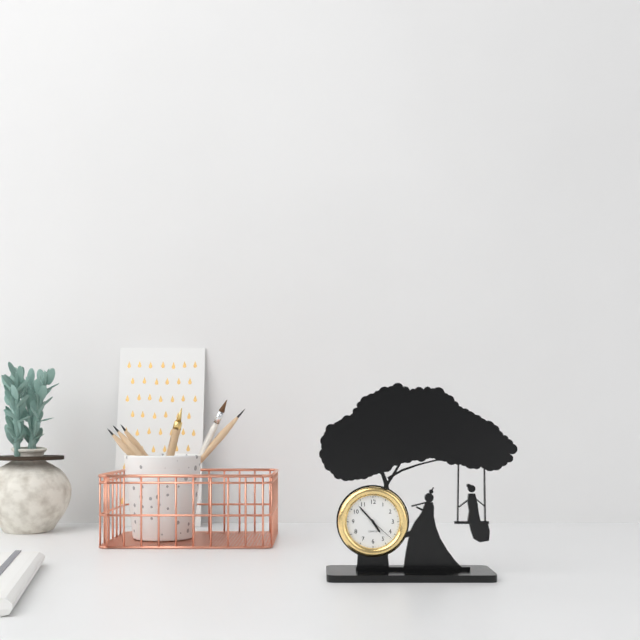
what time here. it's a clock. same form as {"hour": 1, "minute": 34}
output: {"hour": 4, "minute": 53}
